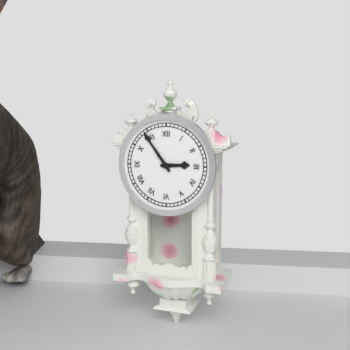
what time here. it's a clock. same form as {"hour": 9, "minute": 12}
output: {"hour": 2, "minute": 54}
